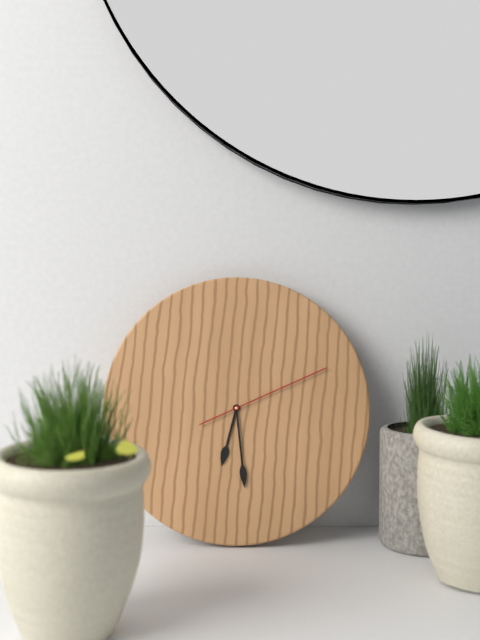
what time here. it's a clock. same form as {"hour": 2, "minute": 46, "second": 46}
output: {"hour": 6, "minute": 29, "second": 11}
